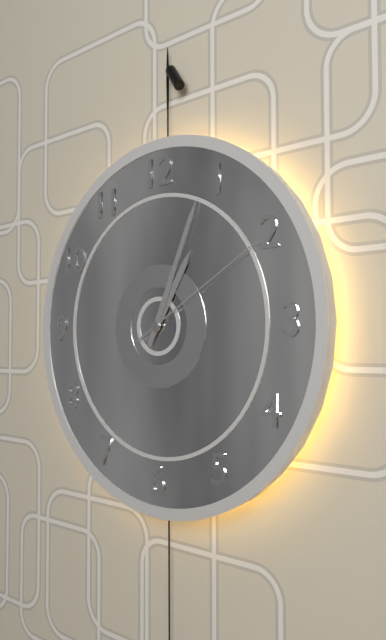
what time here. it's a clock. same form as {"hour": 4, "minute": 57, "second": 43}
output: {"hour": 1, "minute": 4, "second": 10}
